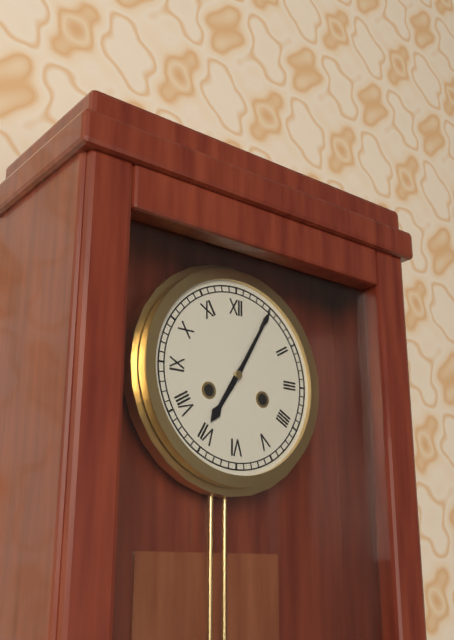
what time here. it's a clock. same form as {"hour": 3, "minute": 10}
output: {"hour": 7, "minute": 5}
